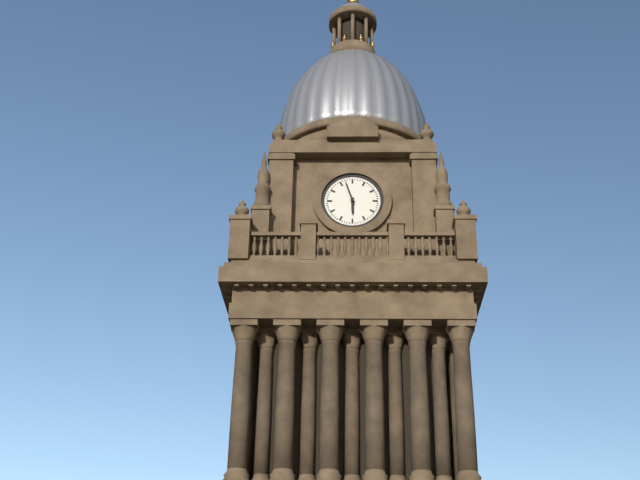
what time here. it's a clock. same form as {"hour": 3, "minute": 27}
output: {"hour": 5, "minute": 57}
